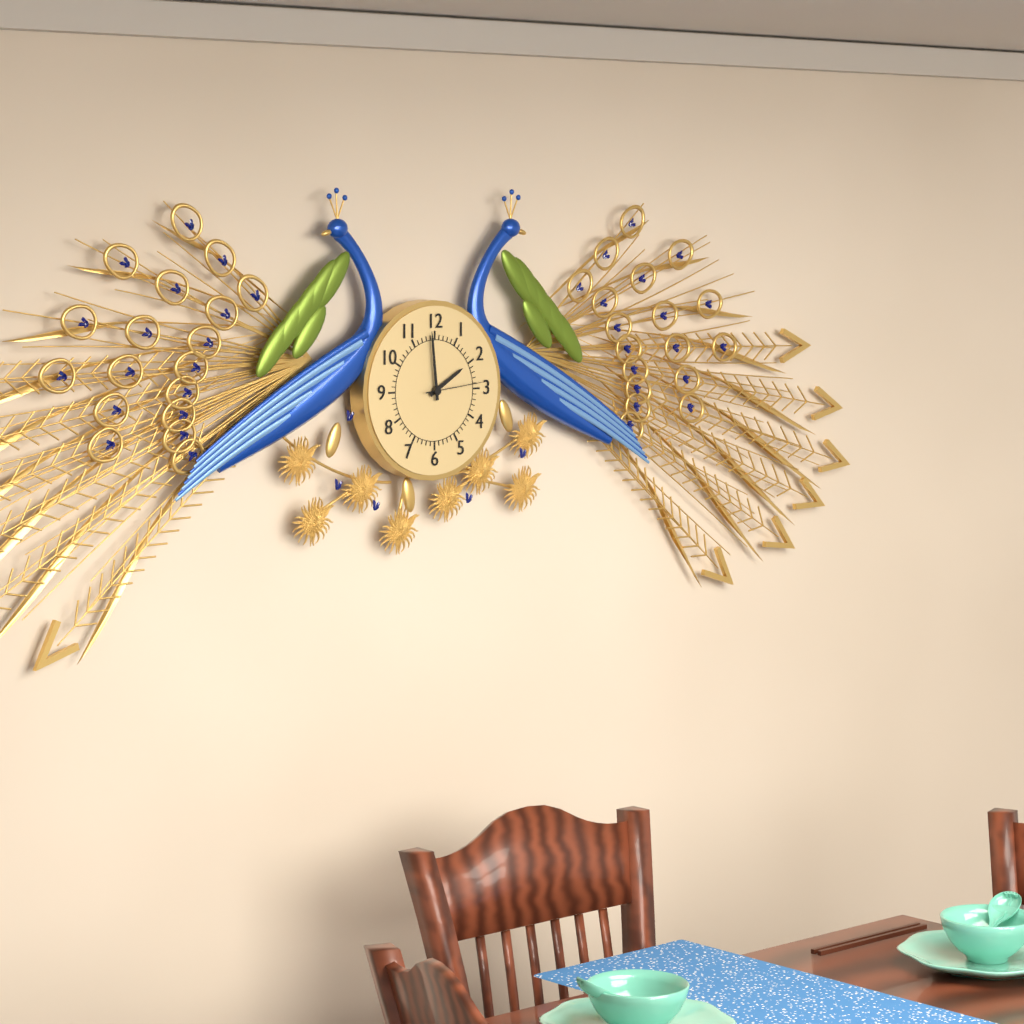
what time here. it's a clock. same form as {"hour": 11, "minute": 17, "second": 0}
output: {"hour": 1, "minute": 59, "second": 14}
